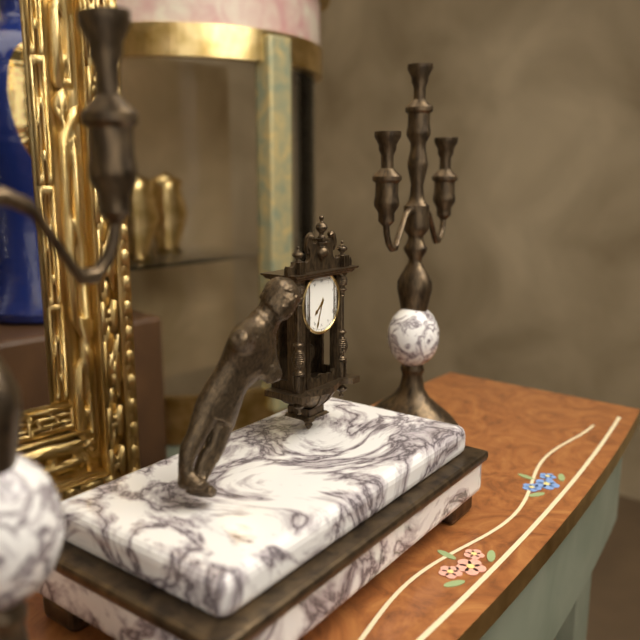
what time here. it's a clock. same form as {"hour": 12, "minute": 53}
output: {"hour": 7, "minute": 33}
